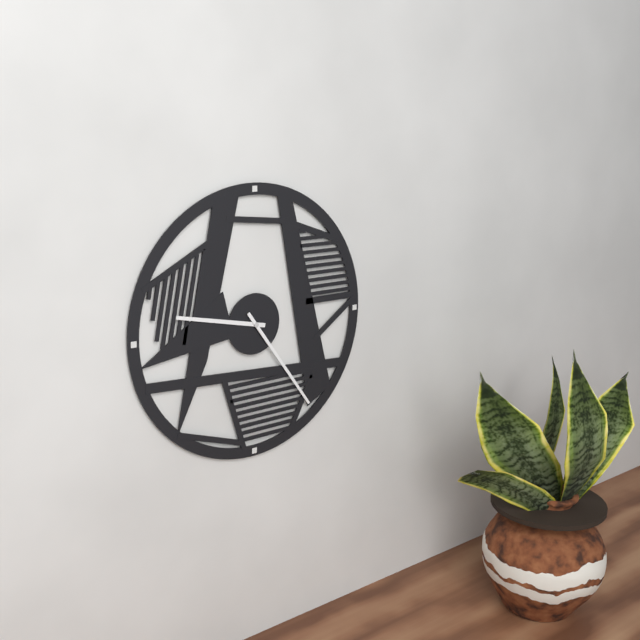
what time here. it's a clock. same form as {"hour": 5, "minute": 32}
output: {"hour": 9, "minute": 24}
